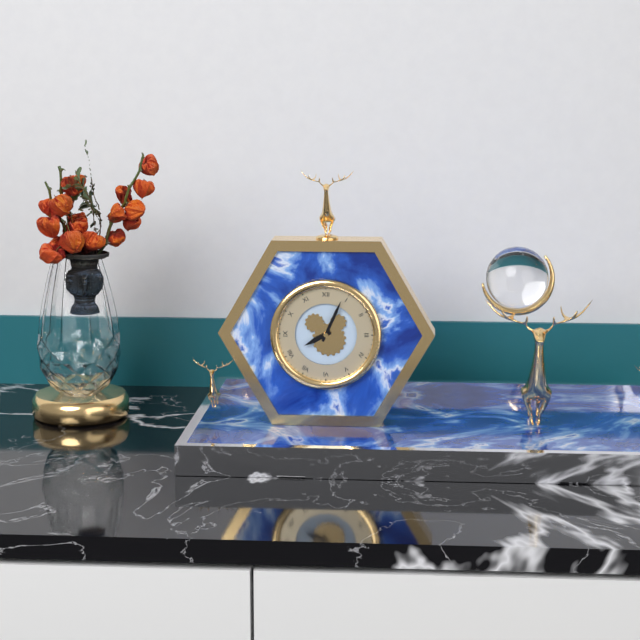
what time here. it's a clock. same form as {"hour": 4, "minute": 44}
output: {"hour": 8, "minute": 4}
